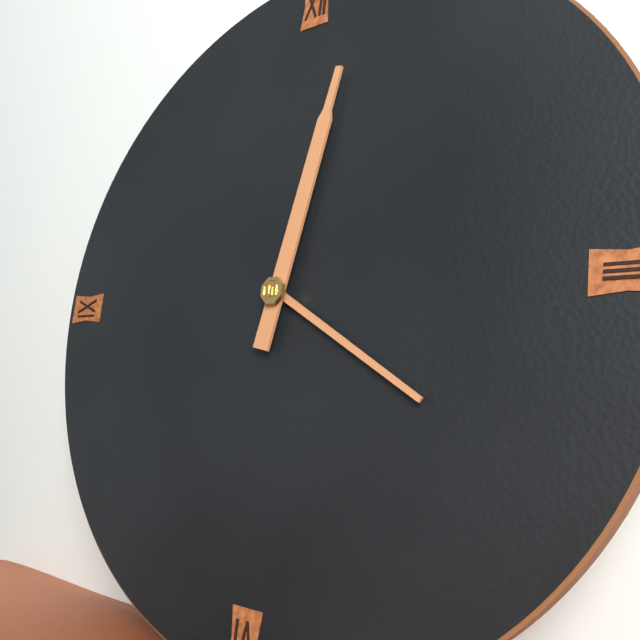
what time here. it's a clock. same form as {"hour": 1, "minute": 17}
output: {"hour": 4, "minute": 2}
